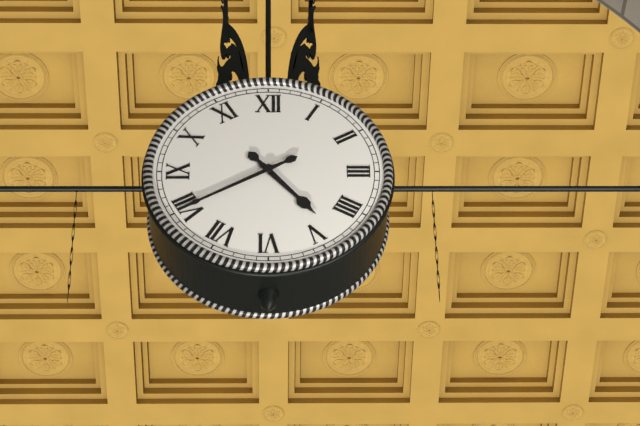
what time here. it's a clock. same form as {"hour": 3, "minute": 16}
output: {"hour": 4, "minute": 40}
